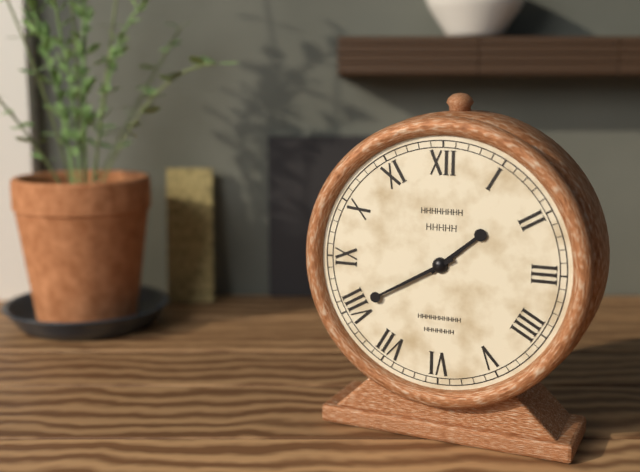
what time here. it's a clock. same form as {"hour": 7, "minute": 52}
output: {"hour": 1, "minute": 40}
